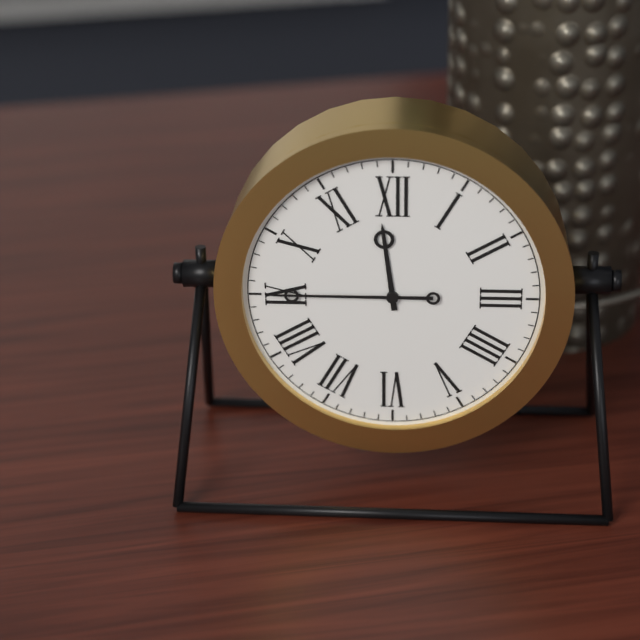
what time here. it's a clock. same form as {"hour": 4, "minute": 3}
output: {"hour": 11, "minute": 45}
